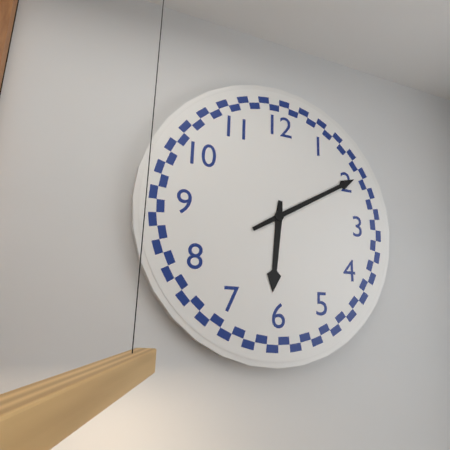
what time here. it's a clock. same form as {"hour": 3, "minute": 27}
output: {"hour": 6, "minute": 10}
